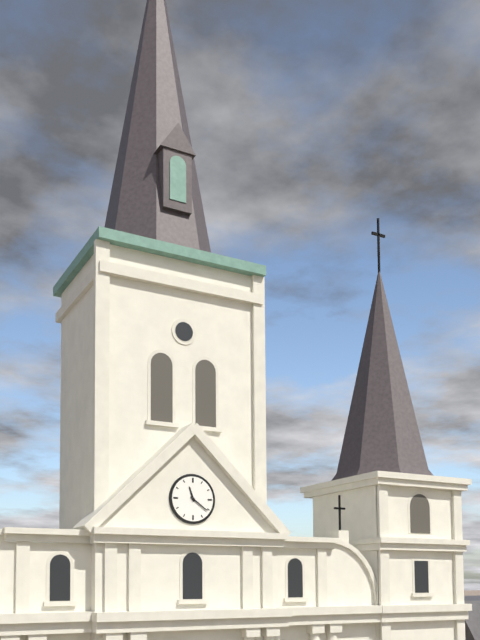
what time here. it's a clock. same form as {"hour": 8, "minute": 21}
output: {"hour": 11, "minute": 21}
